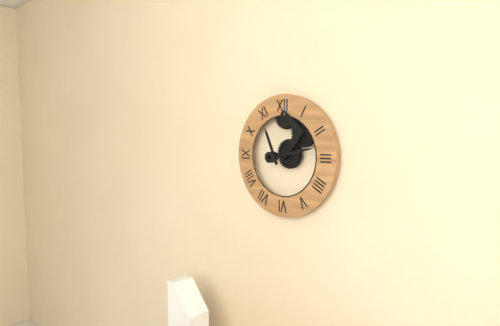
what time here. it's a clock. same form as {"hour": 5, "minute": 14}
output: {"hour": 11, "minute": 13}
